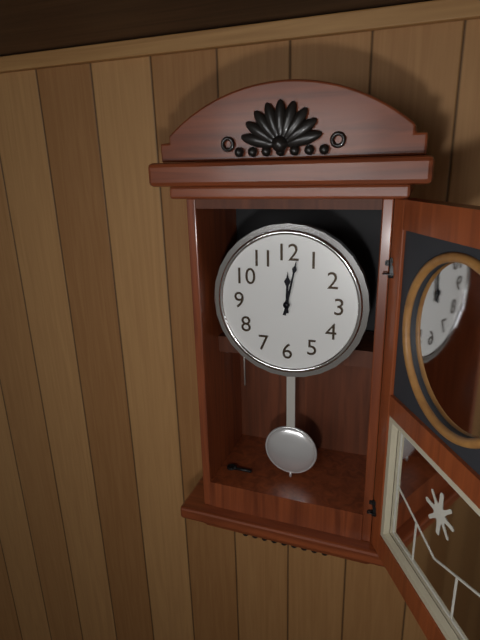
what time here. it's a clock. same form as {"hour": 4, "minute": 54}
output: {"hour": 12, "minute": 2}
